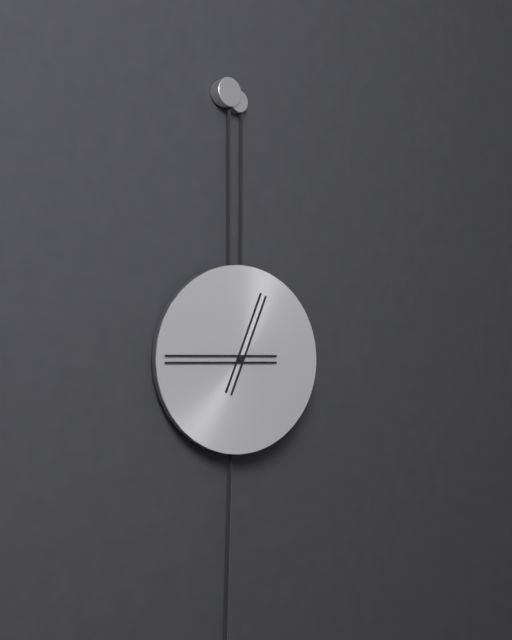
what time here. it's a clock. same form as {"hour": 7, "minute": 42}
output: {"hour": 12, "minute": 45}
